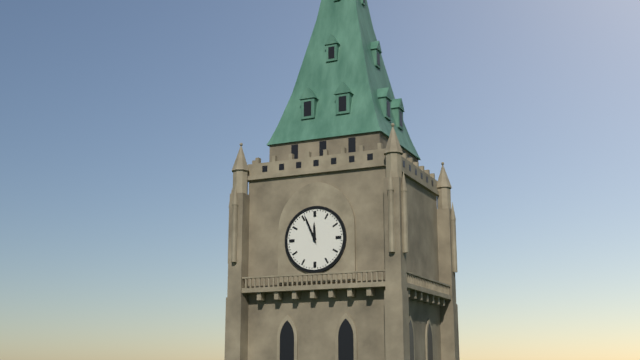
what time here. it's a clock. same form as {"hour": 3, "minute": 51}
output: {"hour": 11, "minute": 56}
